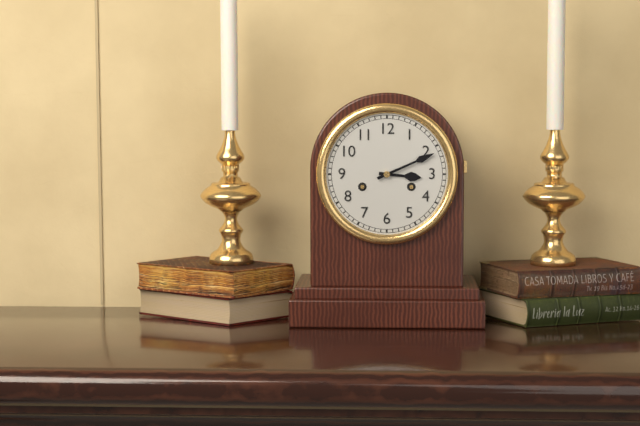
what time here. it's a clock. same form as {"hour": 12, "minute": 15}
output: {"hour": 3, "minute": 11}
